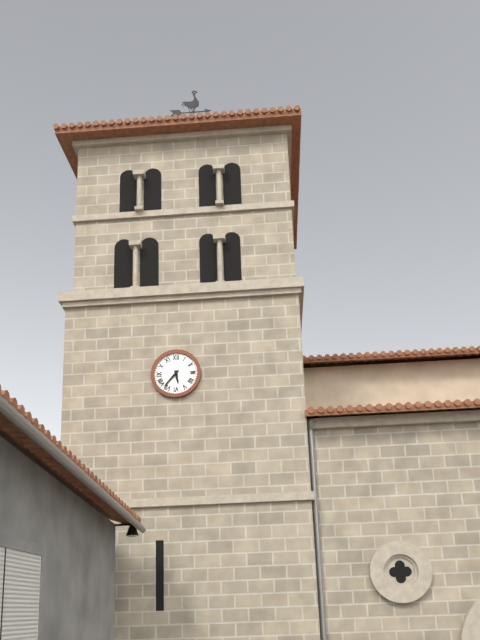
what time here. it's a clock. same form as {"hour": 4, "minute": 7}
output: {"hour": 5, "minute": 37}
